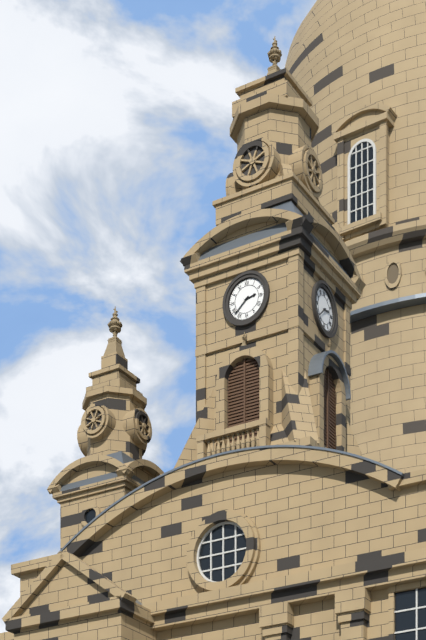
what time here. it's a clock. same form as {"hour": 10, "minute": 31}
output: {"hour": 2, "minute": 38}
